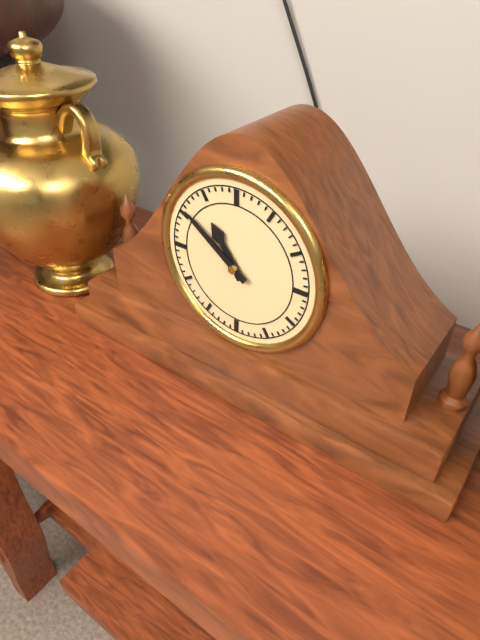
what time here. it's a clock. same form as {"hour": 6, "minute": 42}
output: {"hour": 10, "minute": 51}
